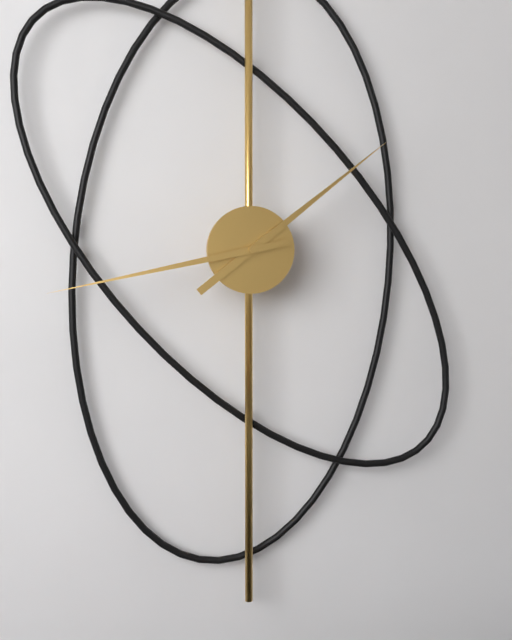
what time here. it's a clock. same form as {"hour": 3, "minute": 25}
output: {"hour": 1, "minute": 43}
